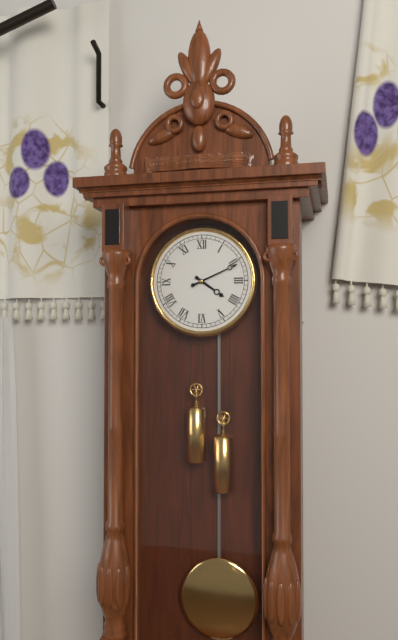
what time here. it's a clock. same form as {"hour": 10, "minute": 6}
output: {"hour": 4, "minute": 11}
